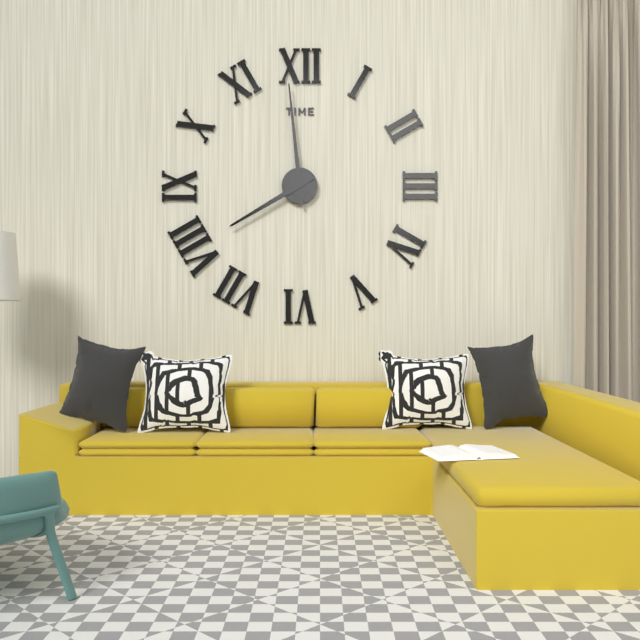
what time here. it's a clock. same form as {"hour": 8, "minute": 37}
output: {"hour": 7, "minute": 59}
